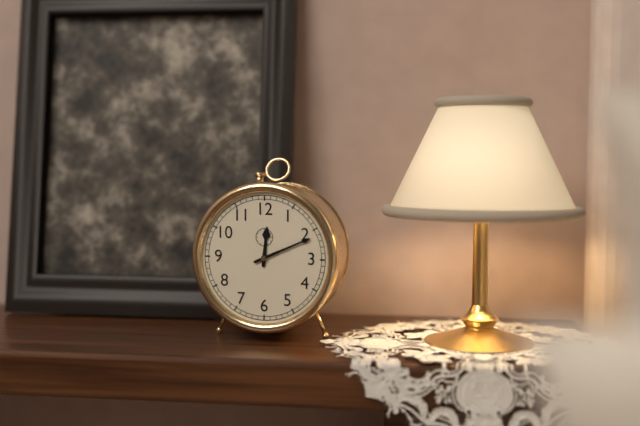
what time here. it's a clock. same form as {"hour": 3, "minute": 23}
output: {"hour": 12, "minute": 11}
